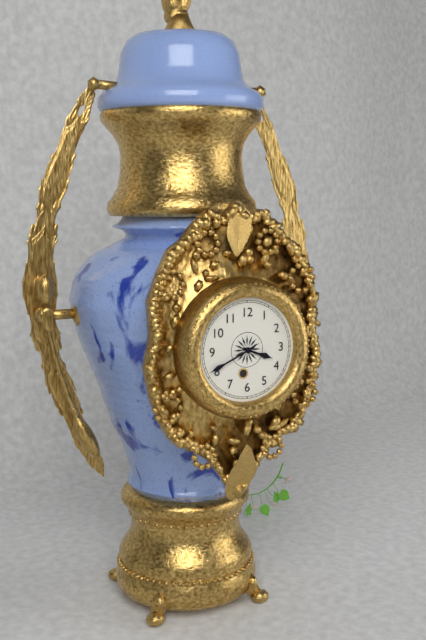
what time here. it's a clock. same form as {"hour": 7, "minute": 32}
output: {"hour": 3, "minute": 41}
